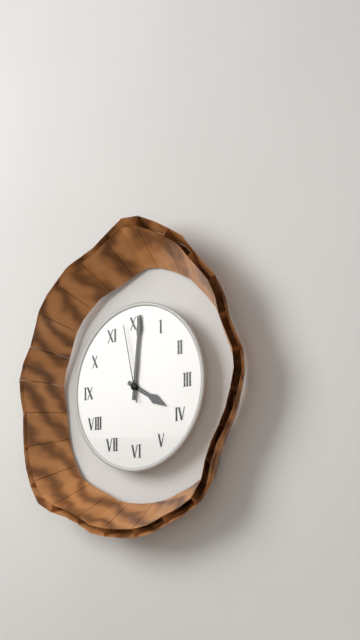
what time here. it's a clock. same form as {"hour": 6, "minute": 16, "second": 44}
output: {"hour": 4, "minute": 1, "second": 58}
